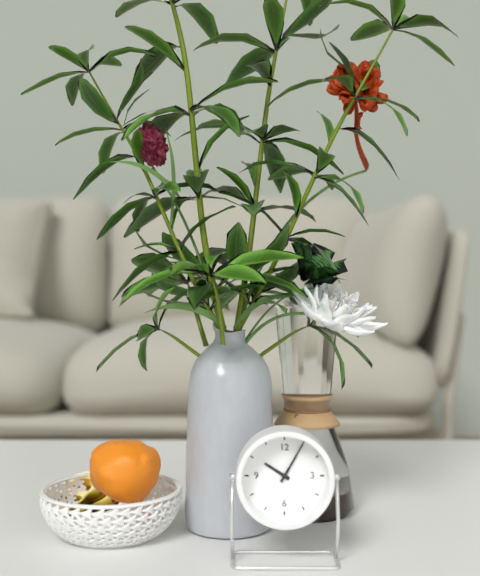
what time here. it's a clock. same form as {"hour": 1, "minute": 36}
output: {"hour": 10, "minute": 5}
